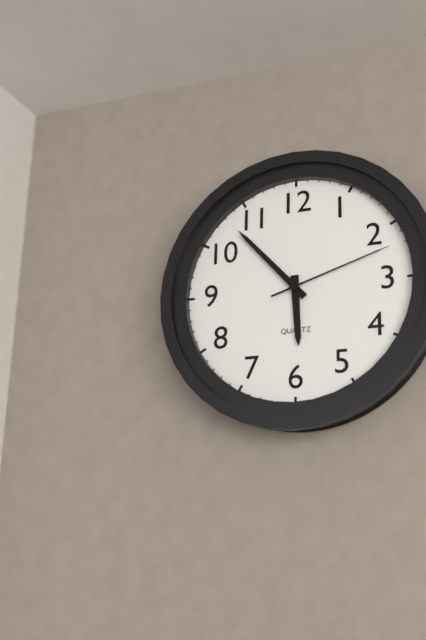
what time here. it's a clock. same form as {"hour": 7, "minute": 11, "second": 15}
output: {"hour": 5, "minute": 53, "second": 12}
